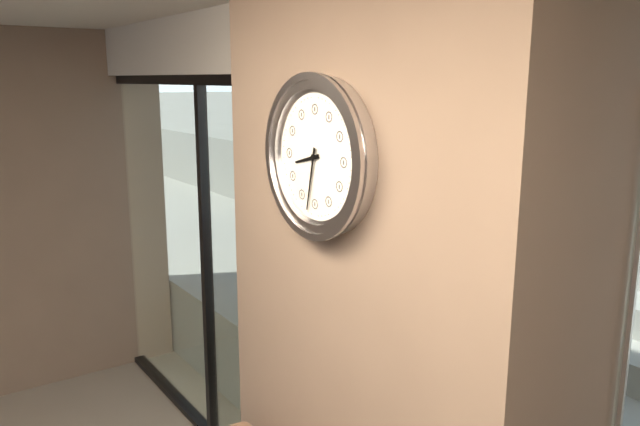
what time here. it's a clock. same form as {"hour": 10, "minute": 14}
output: {"hour": 8, "minute": 32}
